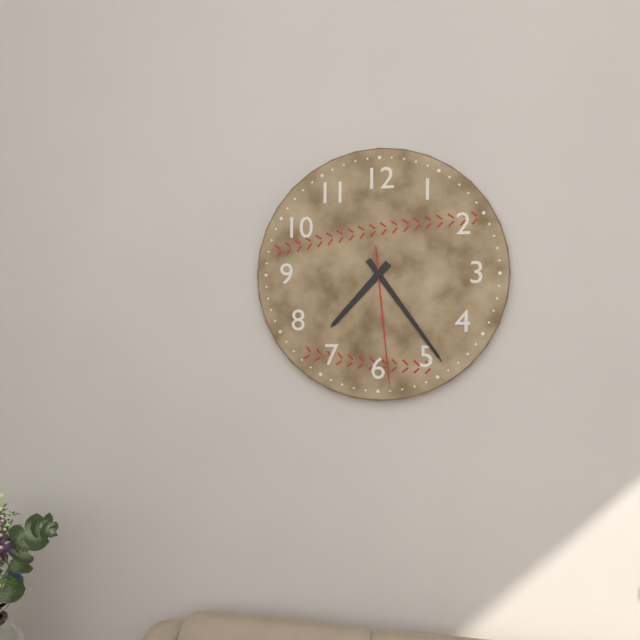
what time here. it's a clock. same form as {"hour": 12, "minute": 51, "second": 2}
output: {"hour": 7, "minute": 24, "second": 29}
